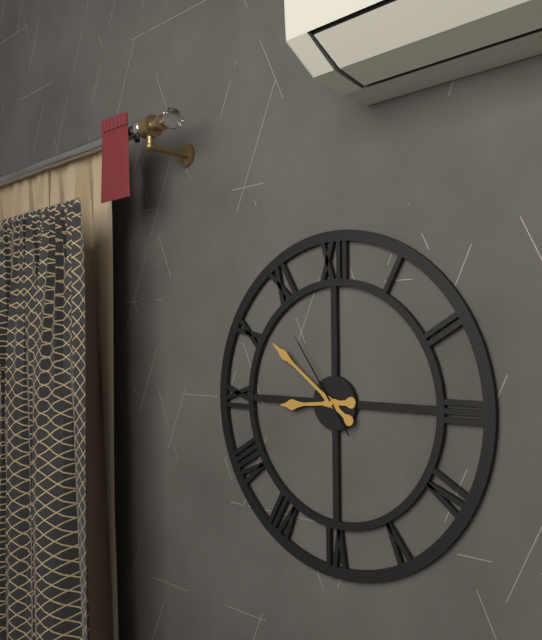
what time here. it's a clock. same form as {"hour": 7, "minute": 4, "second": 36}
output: {"hour": 8, "minute": 51, "second": 54}
